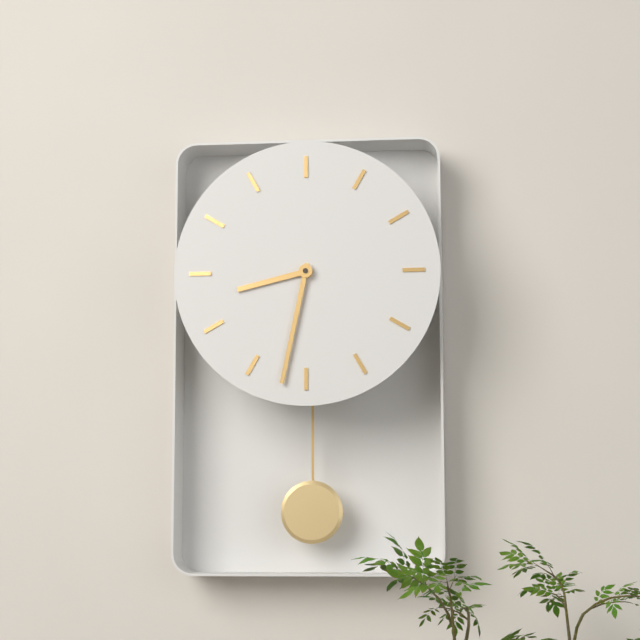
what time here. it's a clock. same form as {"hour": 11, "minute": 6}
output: {"hour": 8, "minute": 32}
